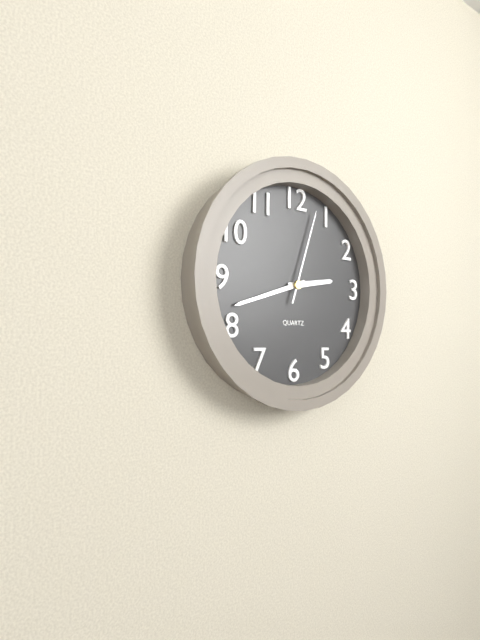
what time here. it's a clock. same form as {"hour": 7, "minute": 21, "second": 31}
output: {"hour": 2, "minute": 42, "second": 3}
